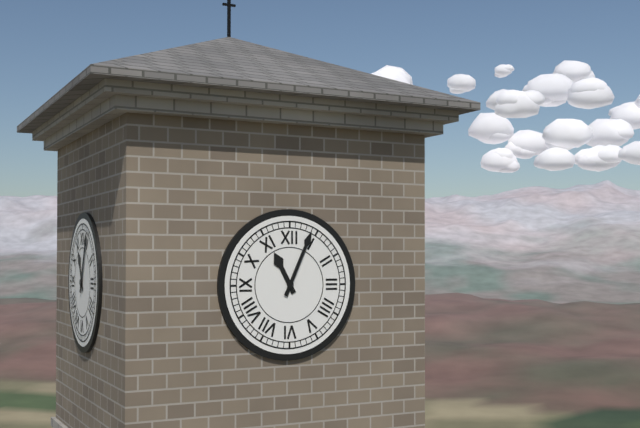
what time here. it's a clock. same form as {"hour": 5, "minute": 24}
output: {"hour": 11, "minute": 4}
